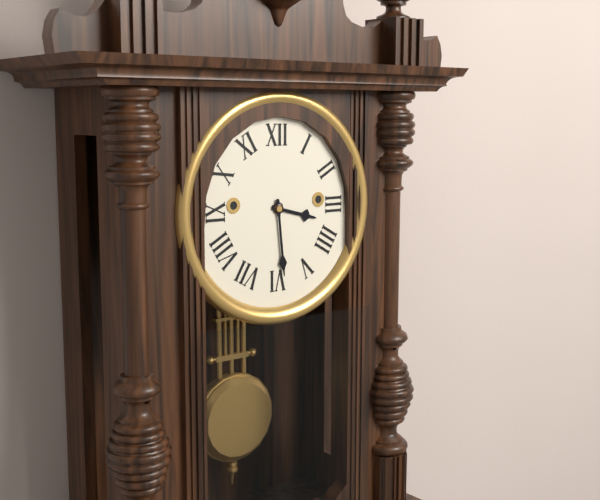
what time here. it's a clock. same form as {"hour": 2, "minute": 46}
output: {"hour": 3, "minute": 29}
